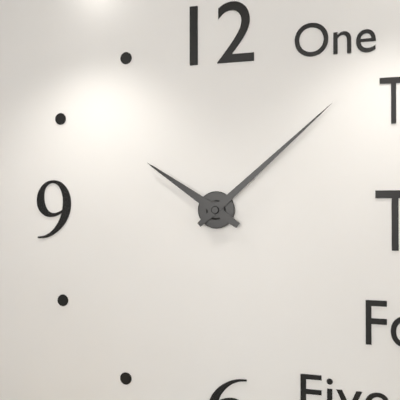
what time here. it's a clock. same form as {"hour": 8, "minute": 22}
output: {"hour": 10, "minute": 8}
